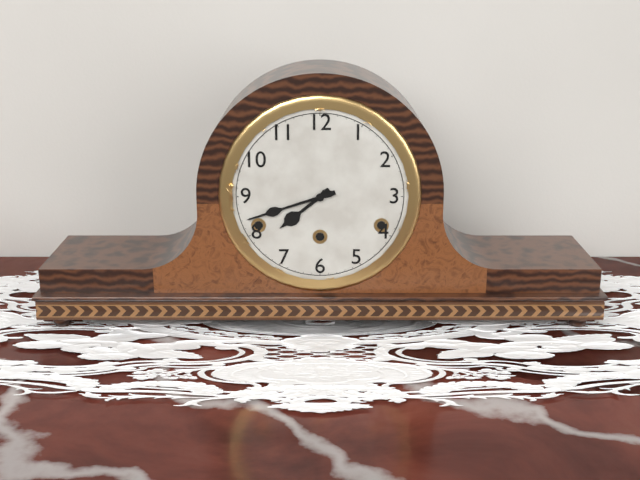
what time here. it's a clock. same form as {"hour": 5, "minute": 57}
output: {"hour": 7, "minute": 42}
